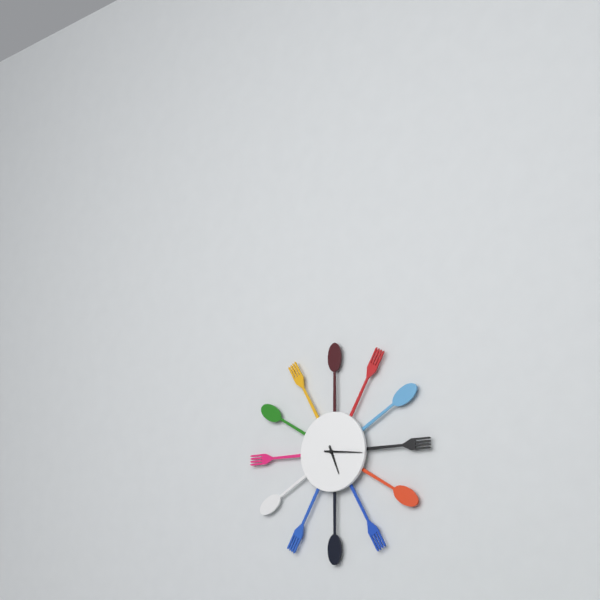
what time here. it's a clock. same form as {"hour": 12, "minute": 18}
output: {"hour": 5, "minute": 16}
